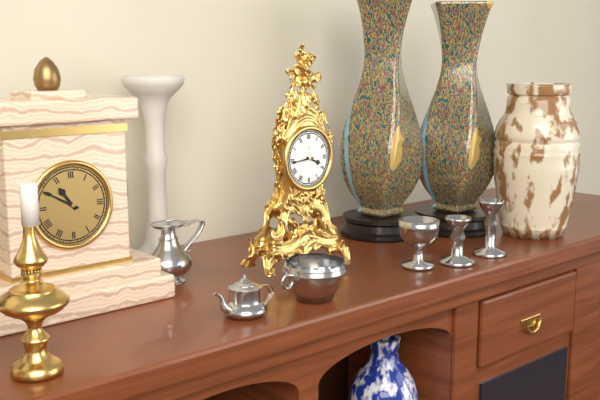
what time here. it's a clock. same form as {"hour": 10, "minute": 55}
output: {"hour": 3, "minute": 44}
